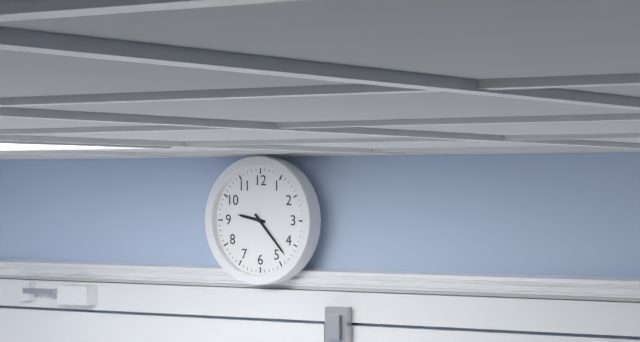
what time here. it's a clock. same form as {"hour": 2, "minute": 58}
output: {"hour": 9, "minute": 23}
